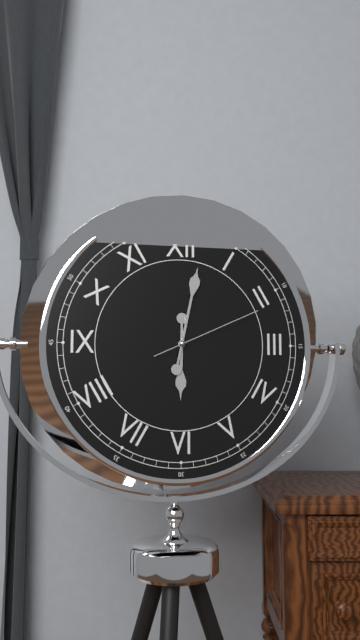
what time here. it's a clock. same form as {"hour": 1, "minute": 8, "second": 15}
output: {"hour": 6, "minute": 2, "second": 11}
